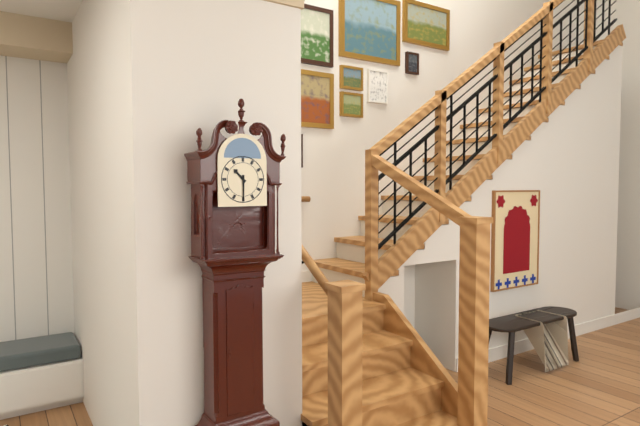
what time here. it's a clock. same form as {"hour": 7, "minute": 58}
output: {"hour": 10, "minute": 30}
